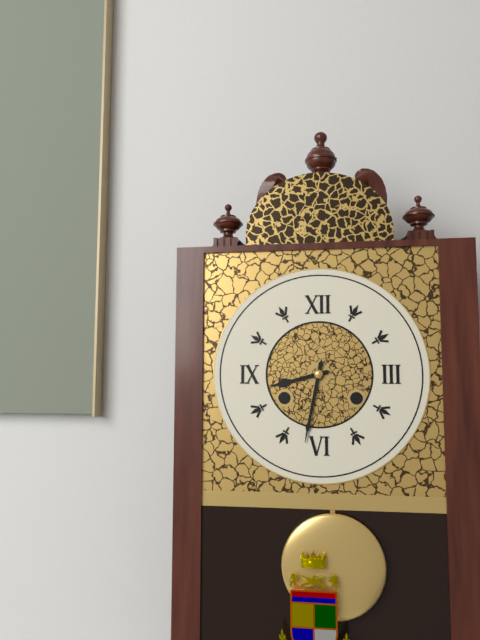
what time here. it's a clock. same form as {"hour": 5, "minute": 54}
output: {"hour": 8, "minute": 32}
